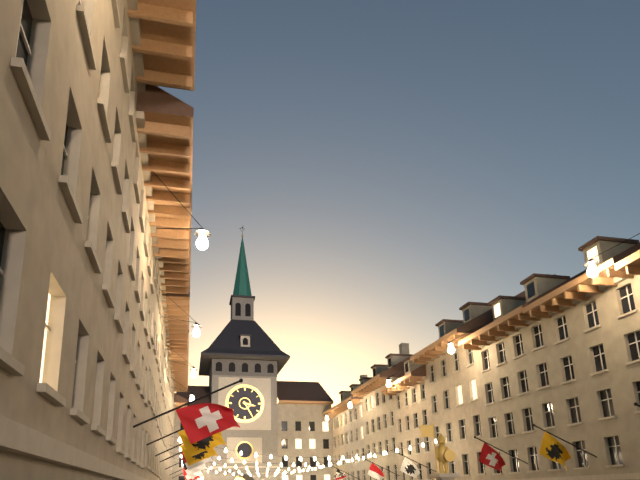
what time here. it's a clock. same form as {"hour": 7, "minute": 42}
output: {"hour": 3, "minute": 25}
